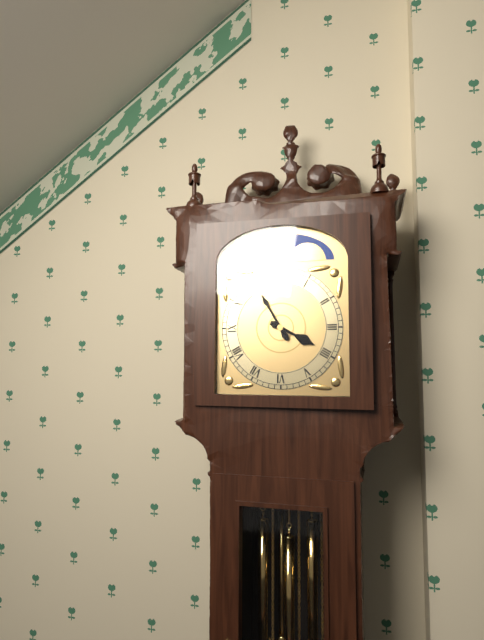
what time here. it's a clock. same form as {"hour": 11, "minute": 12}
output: {"hour": 3, "minute": 55}
